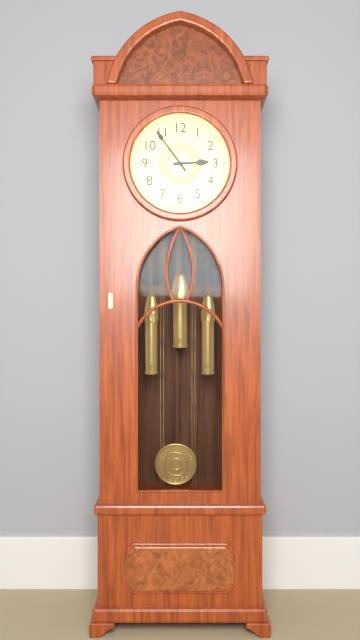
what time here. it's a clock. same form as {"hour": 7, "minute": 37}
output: {"hour": 2, "minute": 54}
